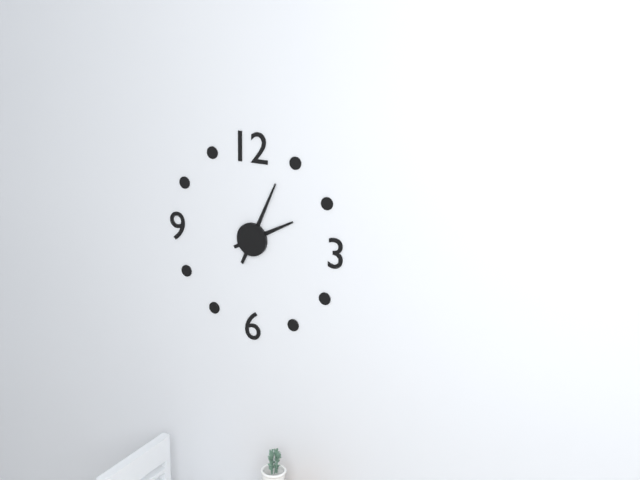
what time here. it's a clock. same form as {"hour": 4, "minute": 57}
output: {"hour": 2, "minute": 4}
